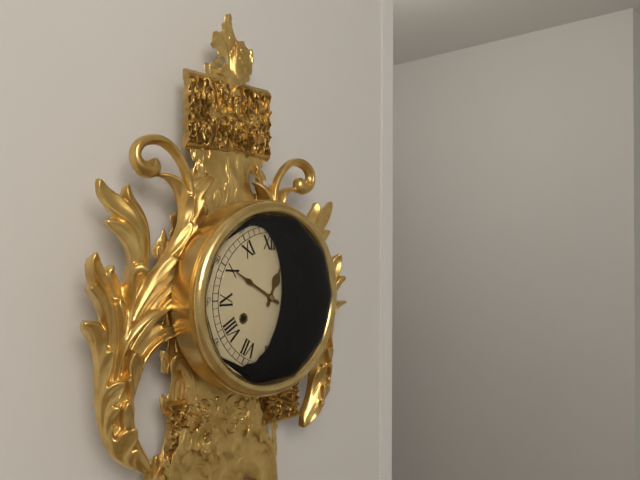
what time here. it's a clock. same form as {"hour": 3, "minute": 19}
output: {"hour": 12, "minute": 50}
